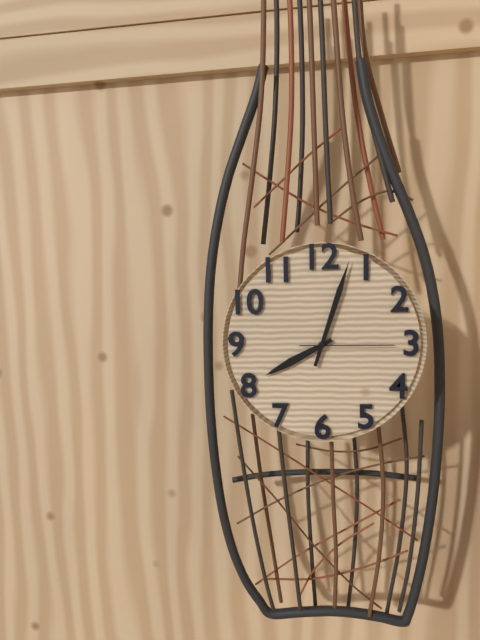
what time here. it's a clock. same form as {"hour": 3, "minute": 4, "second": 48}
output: {"hour": 8, "minute": 3, "second": 15}
